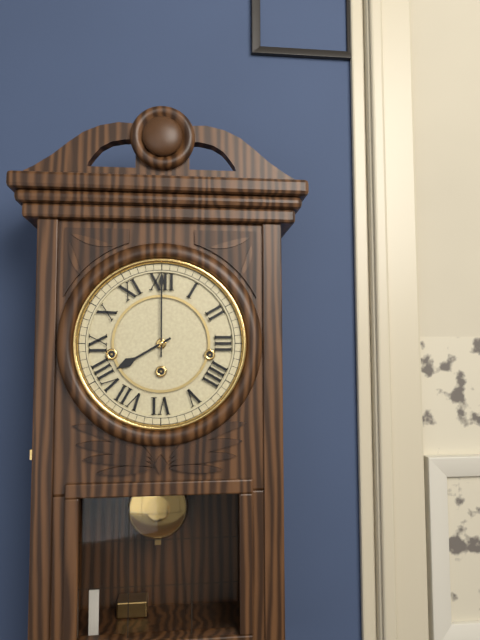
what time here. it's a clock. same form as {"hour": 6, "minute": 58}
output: {"hour": 8, "minute": 0}
